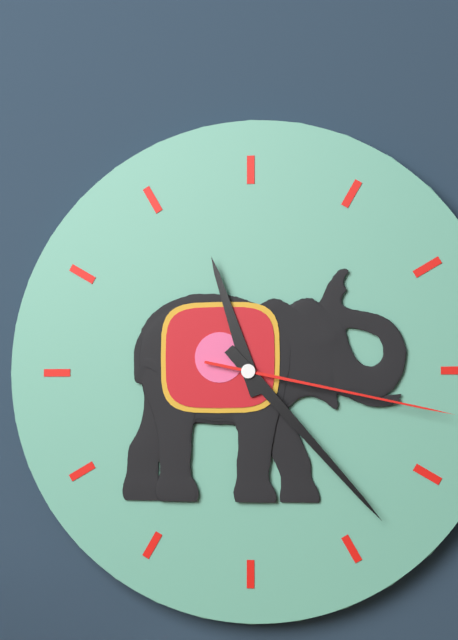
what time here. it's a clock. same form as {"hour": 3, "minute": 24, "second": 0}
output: {"hour": 11, "minute": 23, "second": 17}
